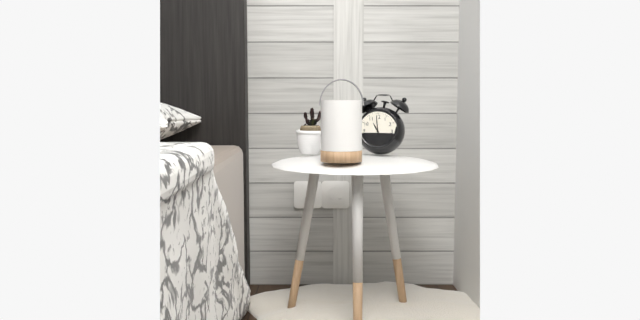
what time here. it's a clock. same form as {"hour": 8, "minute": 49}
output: {"hour": 10, "minute": 59}
